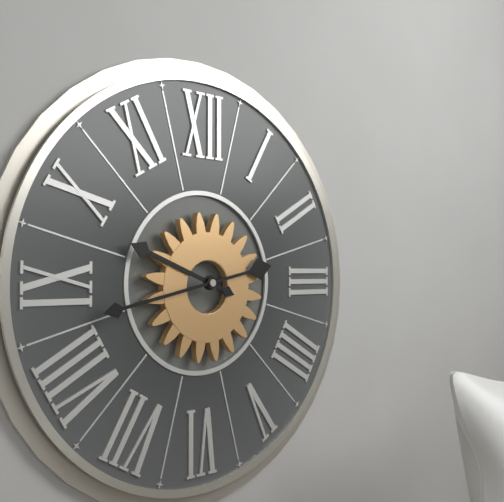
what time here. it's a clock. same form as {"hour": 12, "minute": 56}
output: {"hour": 9, "minute": 43}
